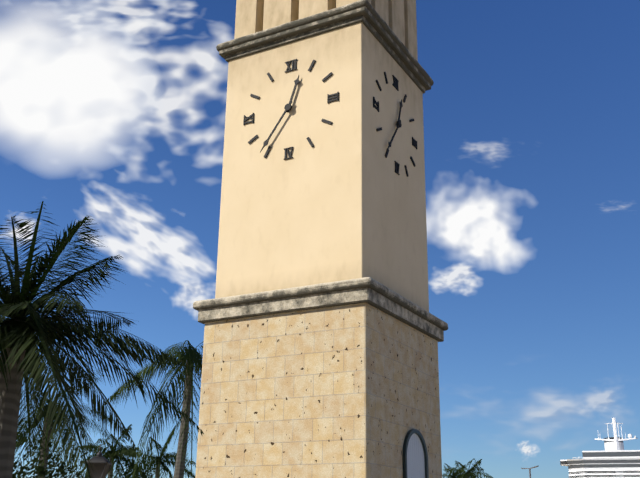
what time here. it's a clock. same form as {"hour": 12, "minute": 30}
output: {"hour": 12, "minute": 36}
